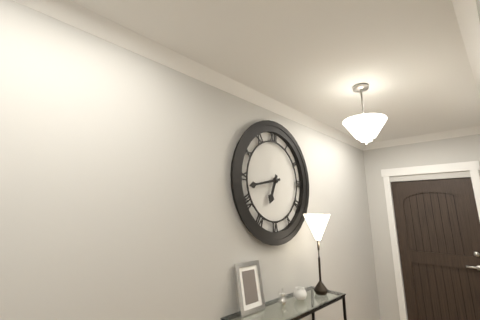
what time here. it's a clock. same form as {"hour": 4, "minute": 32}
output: {"hour": 6, "minute": 43}
